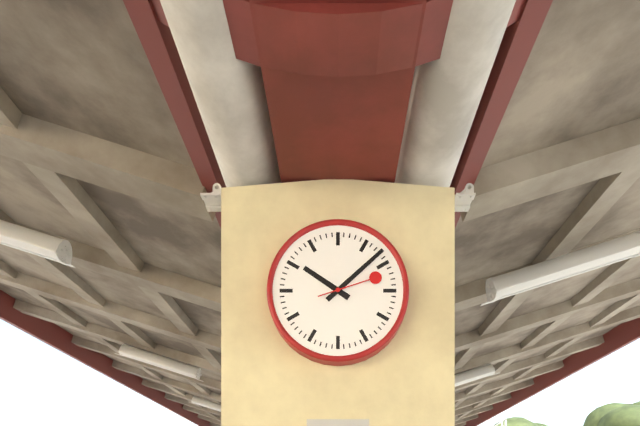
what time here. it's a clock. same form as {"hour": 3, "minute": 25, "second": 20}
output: {"hour": 10, "minute": 8, "second": 12}
